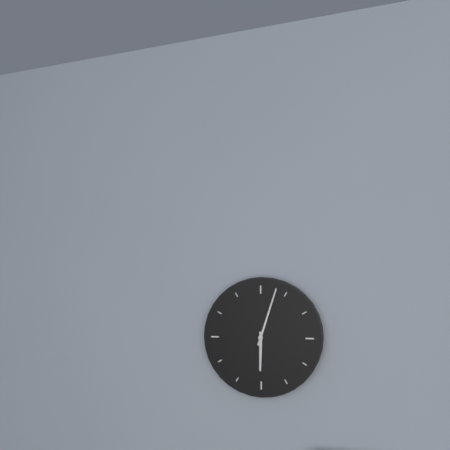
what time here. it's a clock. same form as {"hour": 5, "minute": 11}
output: {"hour": 6, "minute": 3}
